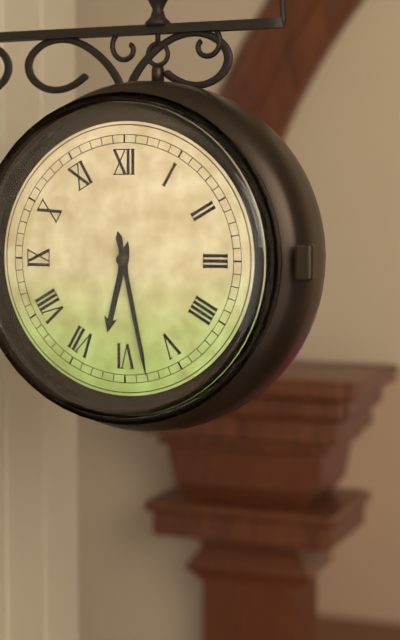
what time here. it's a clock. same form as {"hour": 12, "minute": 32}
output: {"hour": 6, "minute": 28}
